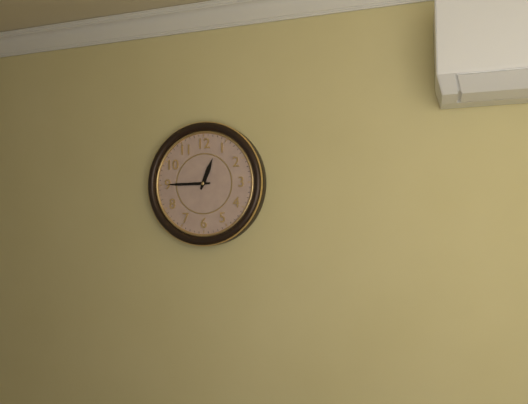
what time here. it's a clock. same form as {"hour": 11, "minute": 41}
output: {"hour": 12, "minute": 45}
